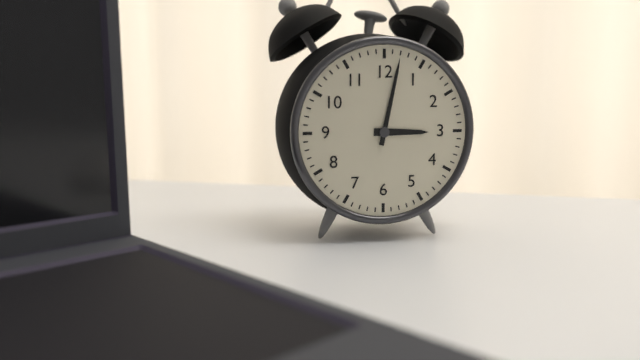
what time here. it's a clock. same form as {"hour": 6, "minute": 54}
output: {"hour": 3, "minute": 2}
